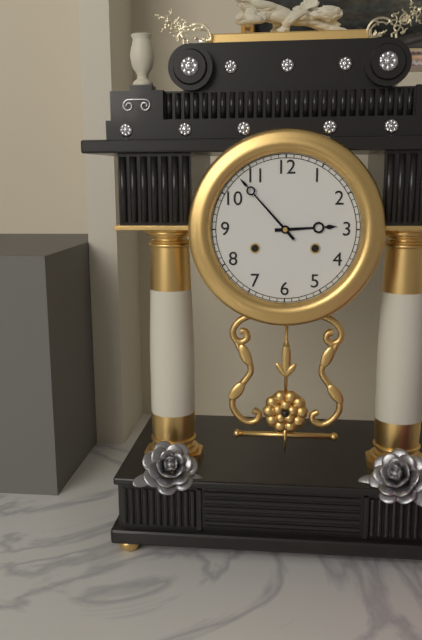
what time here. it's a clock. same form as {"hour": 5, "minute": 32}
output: {"hour": 2, "minute": 53}
